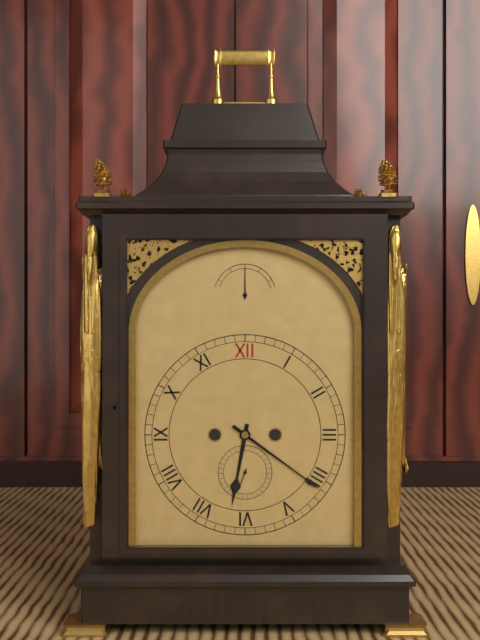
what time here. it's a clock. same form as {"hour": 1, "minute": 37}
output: {"hour": 6, "minute": 21}
